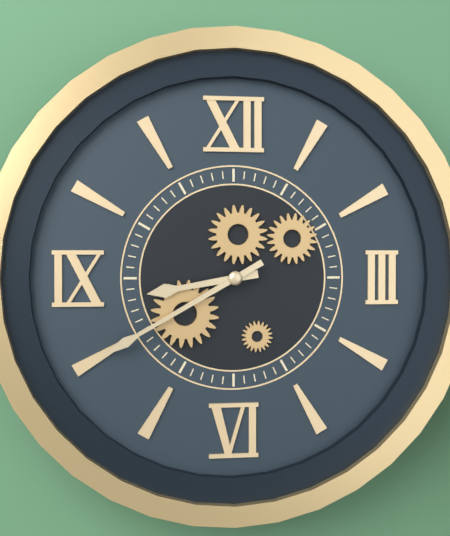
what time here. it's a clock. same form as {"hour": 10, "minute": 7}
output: {"hour": 8, "minute": 40}
